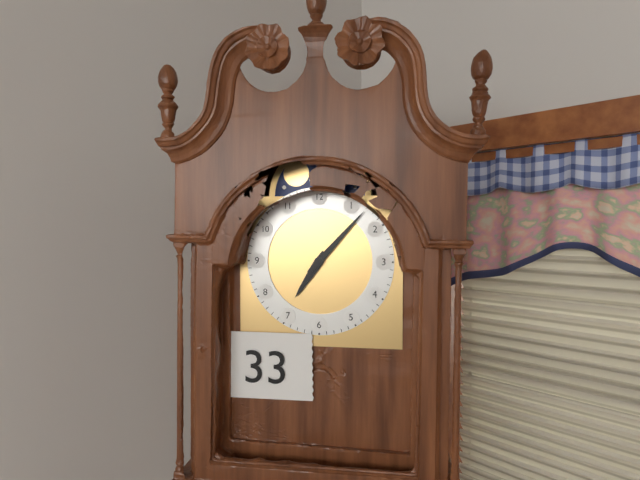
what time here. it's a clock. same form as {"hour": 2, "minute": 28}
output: {"hour": 7, "minute": 7}
